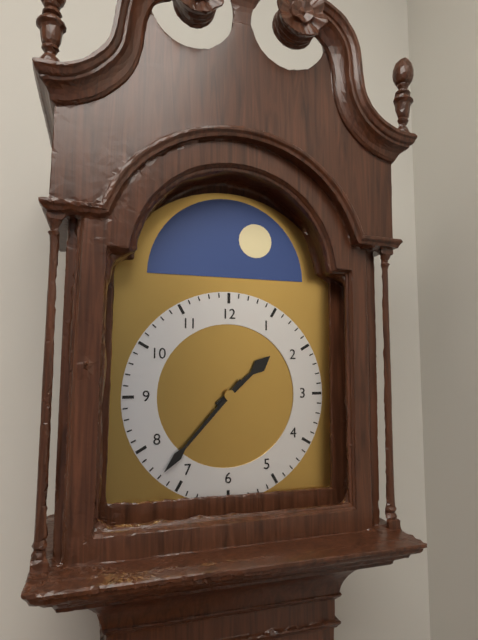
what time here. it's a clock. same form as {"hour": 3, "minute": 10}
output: {"hour": 1, "minute": 37}
